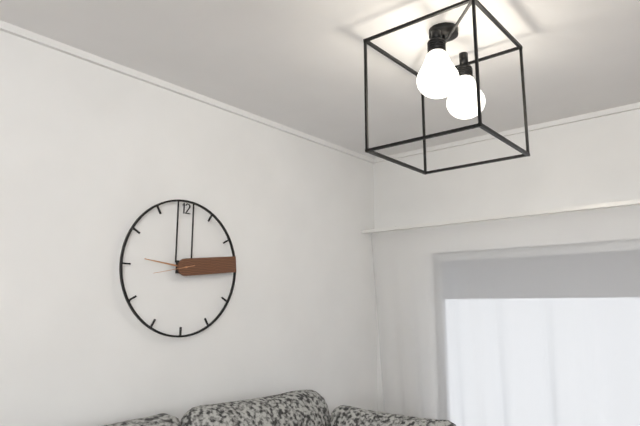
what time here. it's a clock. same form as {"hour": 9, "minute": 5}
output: {"hour": 9, "minute": 14}
